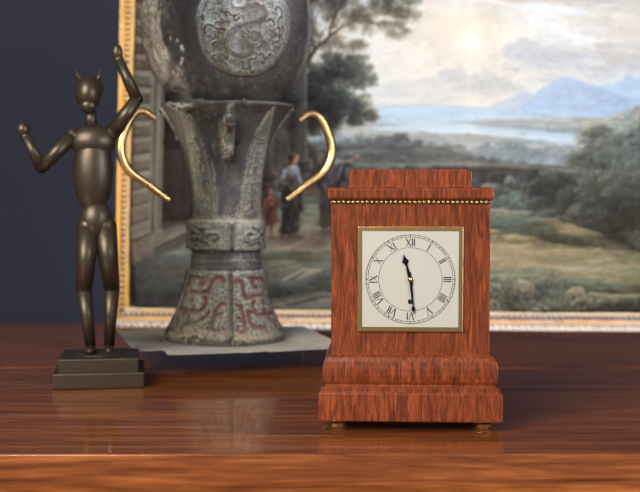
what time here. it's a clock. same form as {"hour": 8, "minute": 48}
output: {"hour": 11, "minute": 29}
